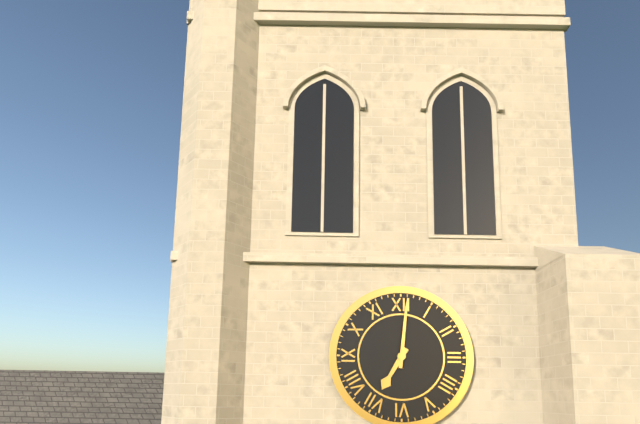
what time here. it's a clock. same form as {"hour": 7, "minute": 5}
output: {"hour": 7, "minute": 1}
